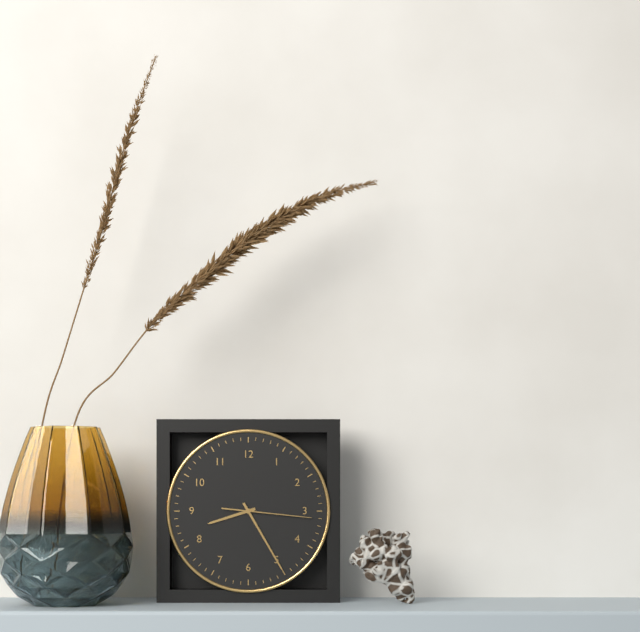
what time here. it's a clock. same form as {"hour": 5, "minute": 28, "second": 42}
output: {"hour": 8, "minute": 25, "second": 16}
